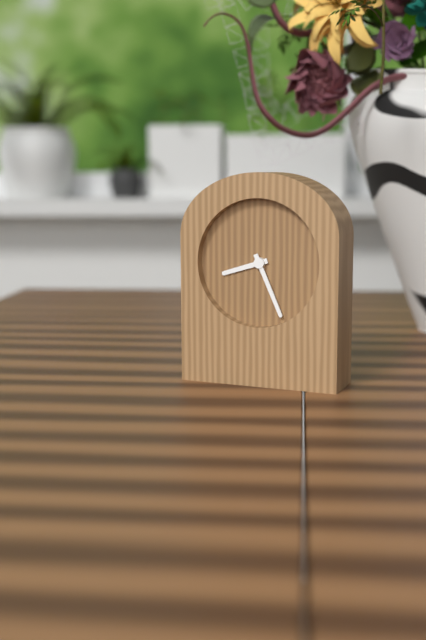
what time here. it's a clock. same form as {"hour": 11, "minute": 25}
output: {"hour": 8, "minute": 26}
